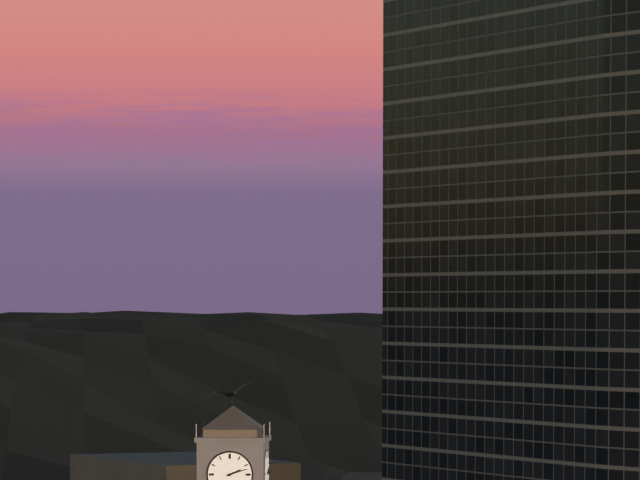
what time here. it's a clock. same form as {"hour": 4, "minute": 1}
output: {"hour": 2, "minute": 12}
